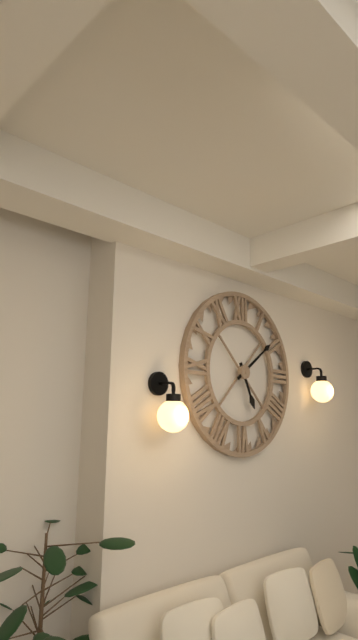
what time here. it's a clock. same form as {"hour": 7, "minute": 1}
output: {"hour": 5, "minute": 9}
